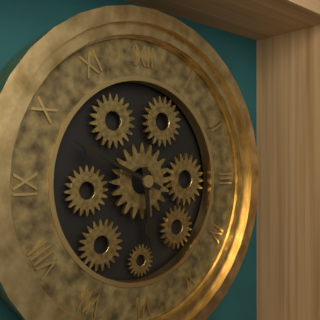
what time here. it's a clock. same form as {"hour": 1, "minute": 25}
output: {"hour": 5, "minute": 49}
